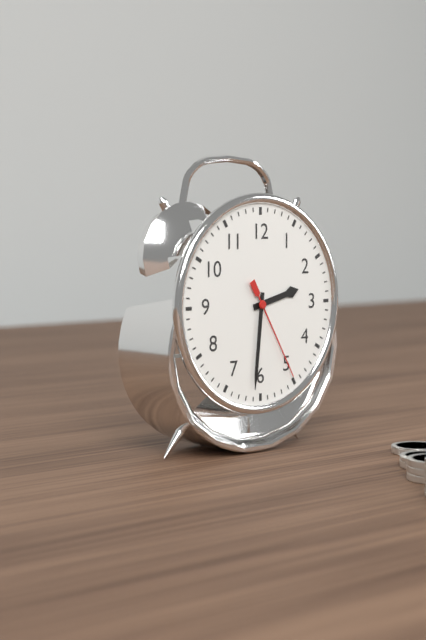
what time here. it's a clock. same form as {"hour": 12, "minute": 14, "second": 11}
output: {"hour": 2, "minute": 31, "second": 25}
